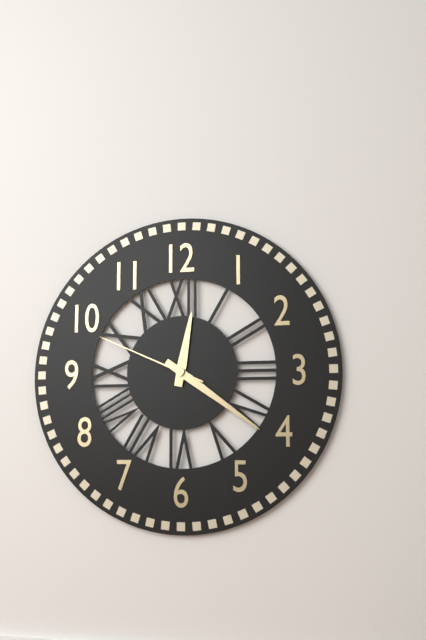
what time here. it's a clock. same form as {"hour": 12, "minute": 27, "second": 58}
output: {"hour": 12, "minute": 21, "second": 49}
